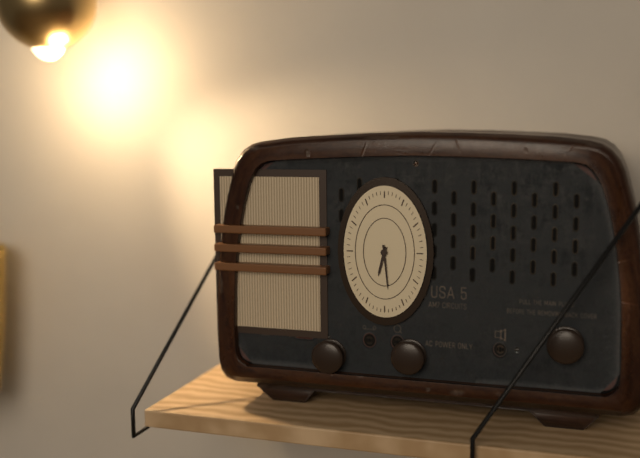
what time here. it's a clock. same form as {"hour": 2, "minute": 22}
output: {"hour": 6, "minute": 29}
